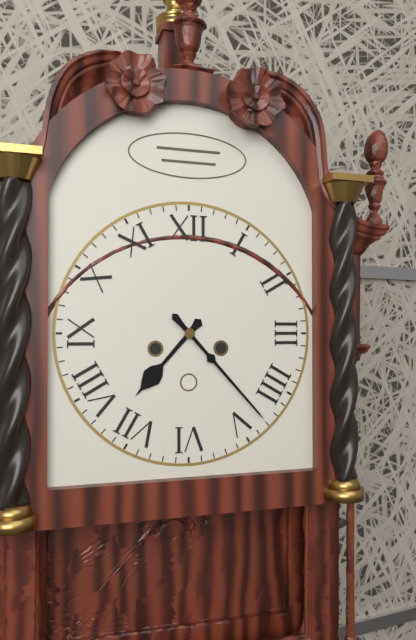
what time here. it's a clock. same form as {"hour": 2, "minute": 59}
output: {"hour": 7, "minute": 23}
